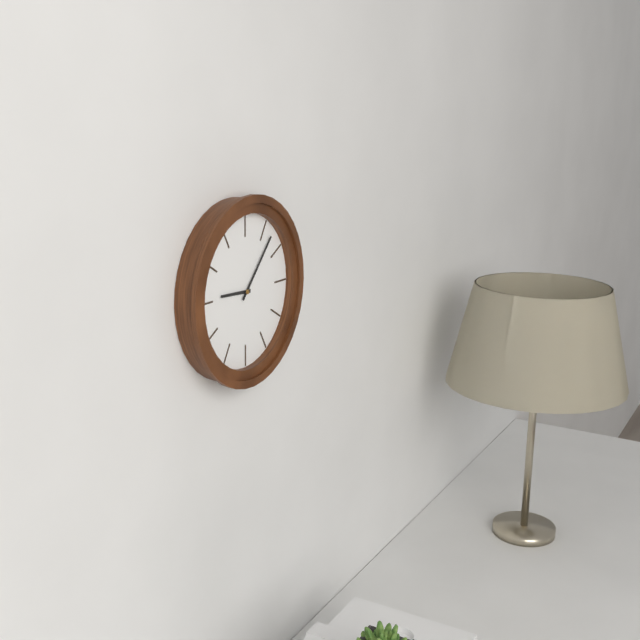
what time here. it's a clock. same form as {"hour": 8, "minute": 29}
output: {"hour": 9, "minute": 7}
